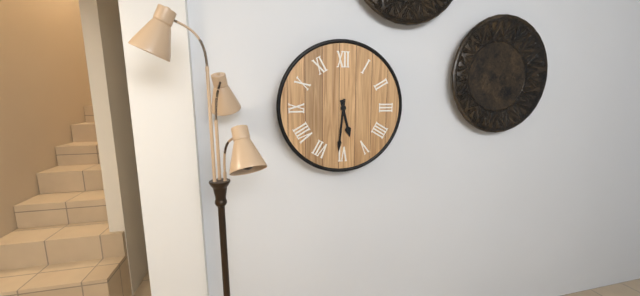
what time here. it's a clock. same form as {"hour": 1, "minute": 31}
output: {"hour": 5, "minute": 31}
